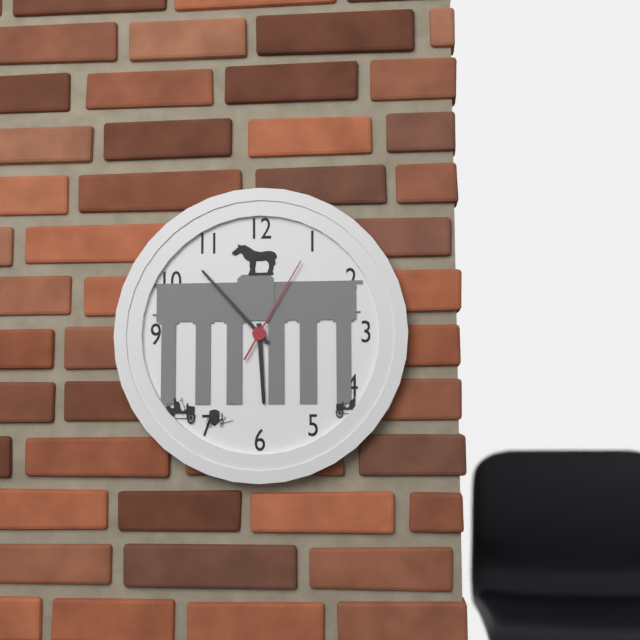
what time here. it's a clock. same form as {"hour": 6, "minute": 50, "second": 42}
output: {"hour": 5, "minute": 53, "second": 5}
